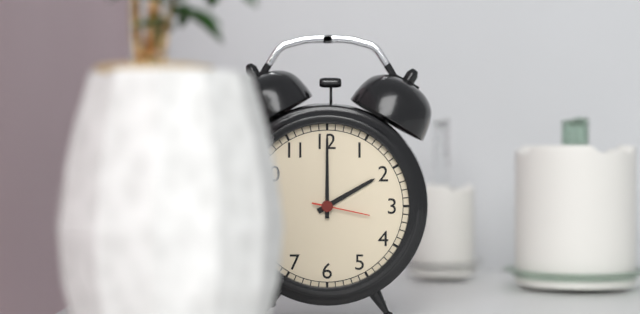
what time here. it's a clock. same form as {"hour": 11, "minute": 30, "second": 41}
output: {"hour": 2, "minute": 0, "second": 17}
